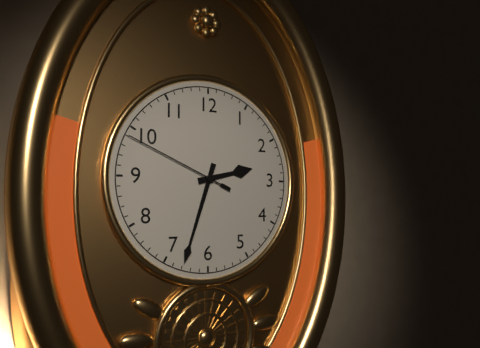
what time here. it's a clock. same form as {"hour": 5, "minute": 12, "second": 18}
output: {"hour": 2, "minute": 33, "second": 49}
